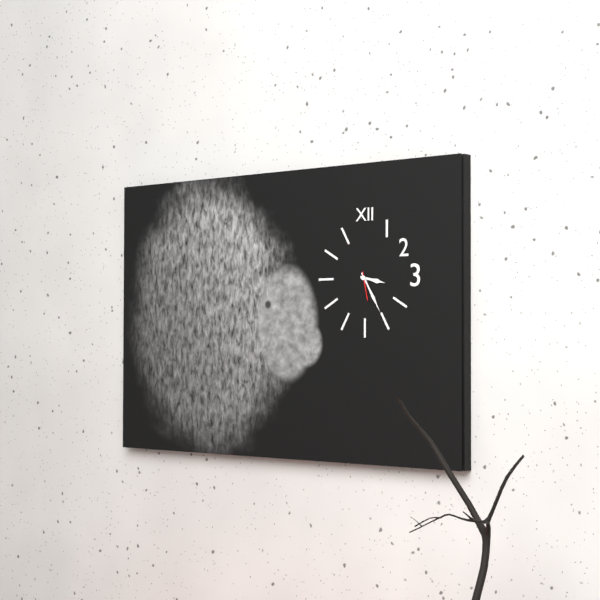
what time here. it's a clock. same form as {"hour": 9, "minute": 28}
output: {"hour": 3, "minute": 25}
